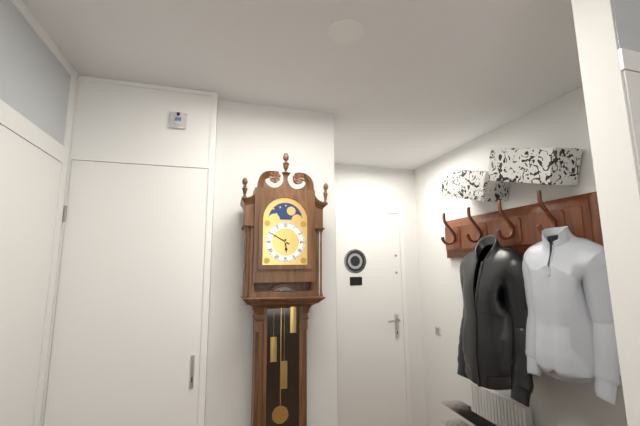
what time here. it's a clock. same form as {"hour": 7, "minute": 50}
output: {"hour": 5, "minute": 50}
